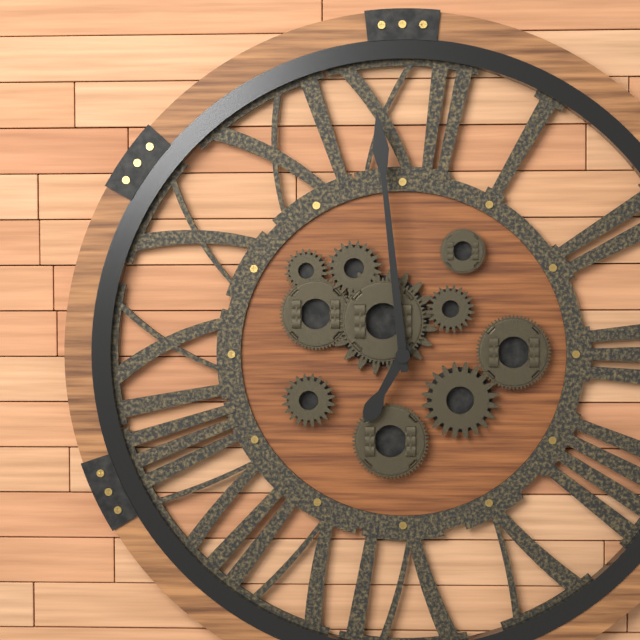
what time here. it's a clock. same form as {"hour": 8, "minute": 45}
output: {"hour": 6, "minute": 59}
